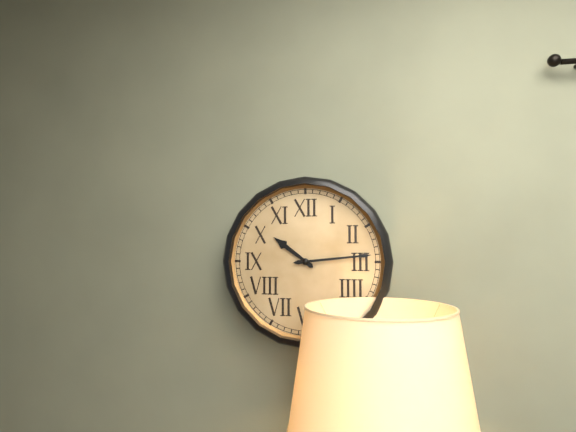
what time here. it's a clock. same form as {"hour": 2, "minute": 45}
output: {"hour": 10, "minute": 14}
